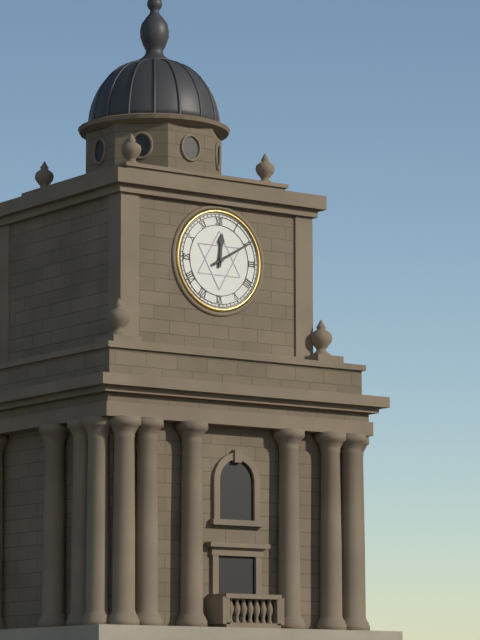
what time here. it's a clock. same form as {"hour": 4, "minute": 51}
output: {"hour": 12, "minute": 10}
